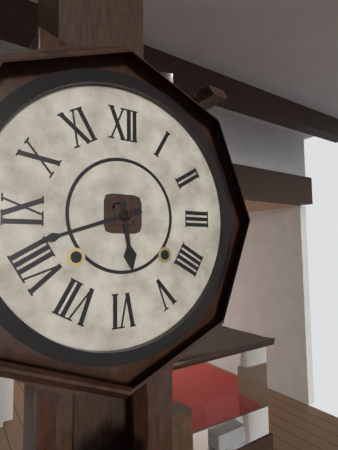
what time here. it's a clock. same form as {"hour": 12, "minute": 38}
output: {"hour": 5, "minute": 42}
